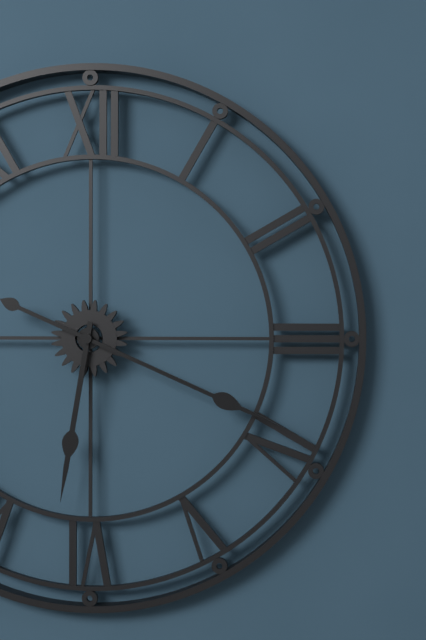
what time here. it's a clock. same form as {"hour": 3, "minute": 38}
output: {"hour": 6, "minute": 19}
